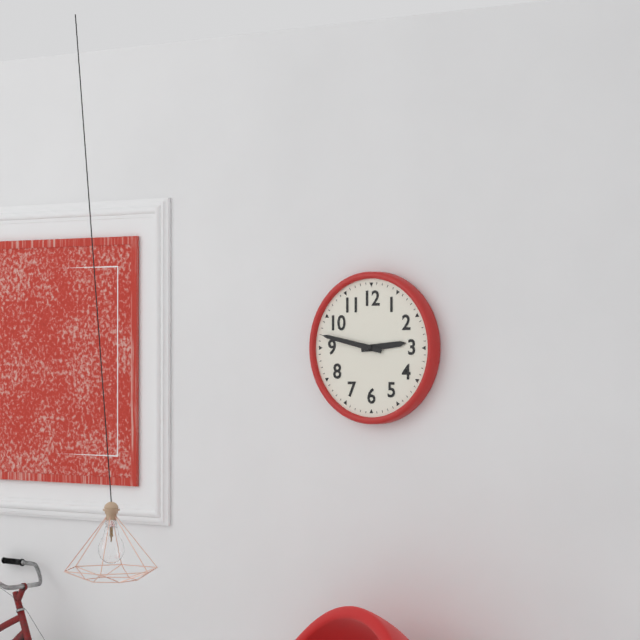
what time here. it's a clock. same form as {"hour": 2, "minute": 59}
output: {"hour": 2, "minute": 47}
